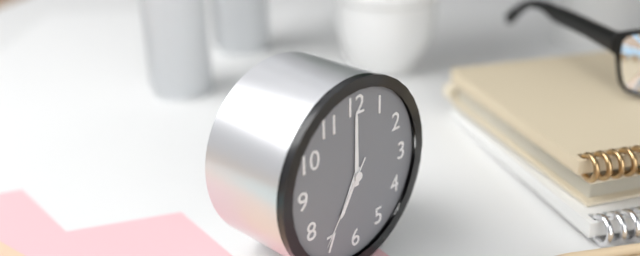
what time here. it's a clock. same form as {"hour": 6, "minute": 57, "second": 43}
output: {"hour": 7, "minute": 0, "second": 36}
